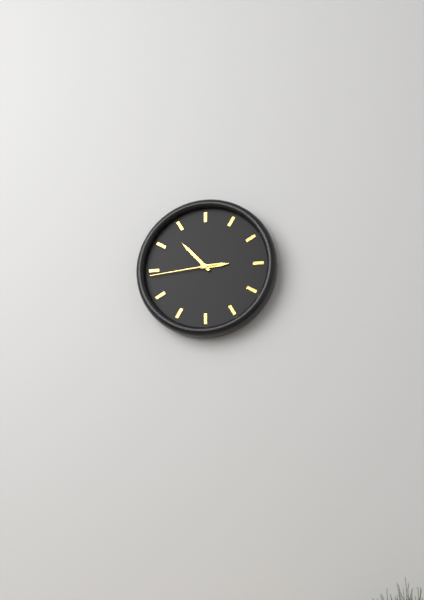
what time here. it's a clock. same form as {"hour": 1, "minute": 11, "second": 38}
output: {"hour": 2, "minute": 53, "second": 44}
